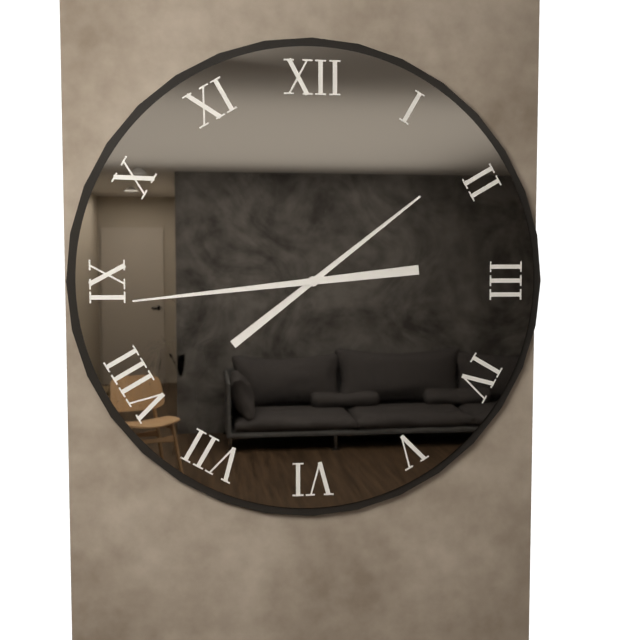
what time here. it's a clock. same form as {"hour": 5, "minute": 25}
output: {"hour": 1, "minute": 44}
